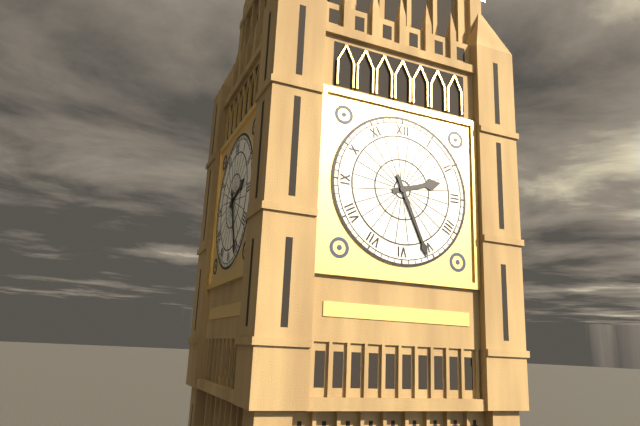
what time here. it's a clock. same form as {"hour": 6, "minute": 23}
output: {"hour": 2, "minute": 26}
